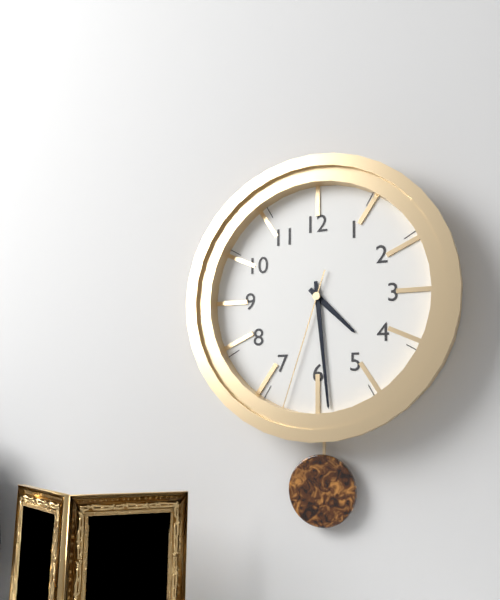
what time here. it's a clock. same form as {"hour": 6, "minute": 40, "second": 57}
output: {"hour": 4, "minute": 29, "second": 33}
